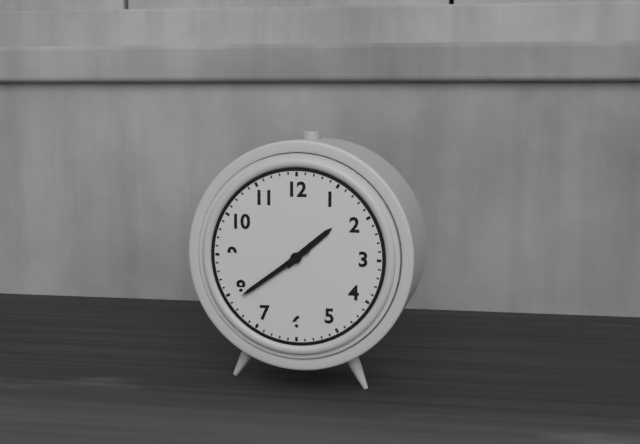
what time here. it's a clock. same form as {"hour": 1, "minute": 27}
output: {"hour": 1, "minute": 39}
